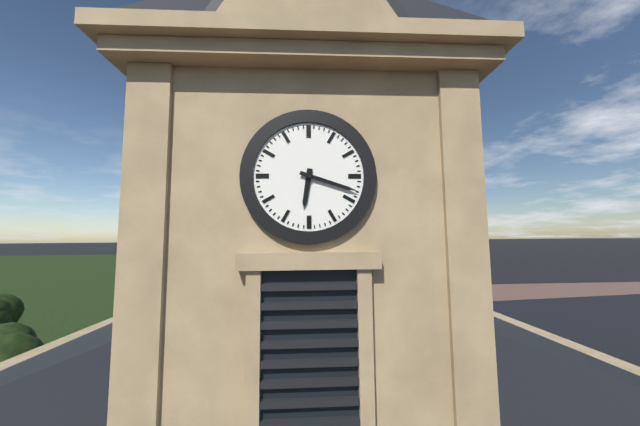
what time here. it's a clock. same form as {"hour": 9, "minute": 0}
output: {"hour": 6, "minute": 18}
